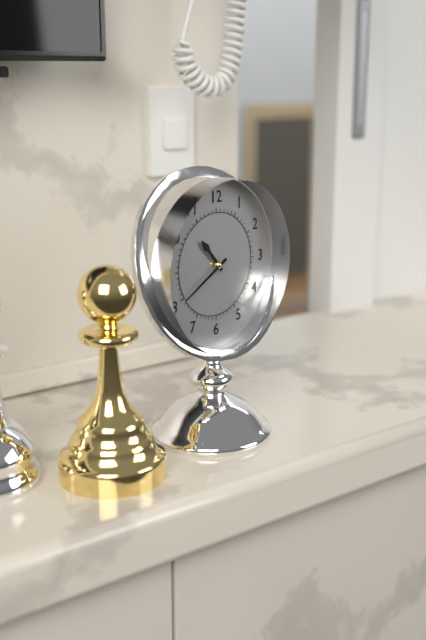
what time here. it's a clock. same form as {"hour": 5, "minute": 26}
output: {"hour": 10, "minute": 40}
